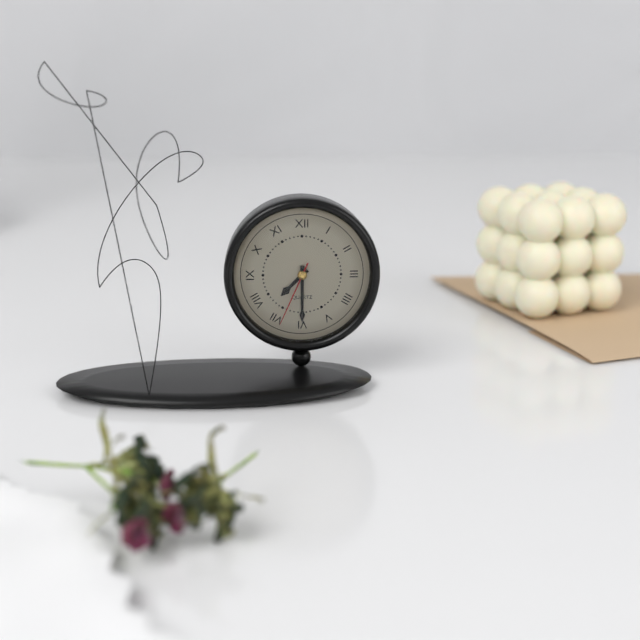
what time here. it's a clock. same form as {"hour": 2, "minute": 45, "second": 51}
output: {"hour": 7, "minute": 30, "second": 34}
